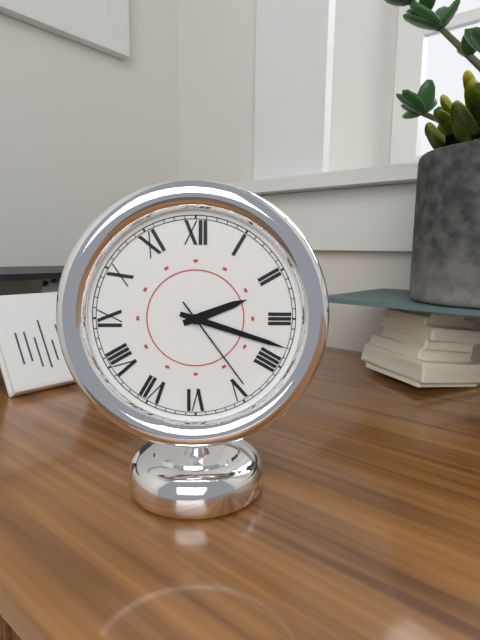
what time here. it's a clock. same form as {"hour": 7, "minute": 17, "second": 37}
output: {"hour": 2, "minute": 18, "second": 24}
